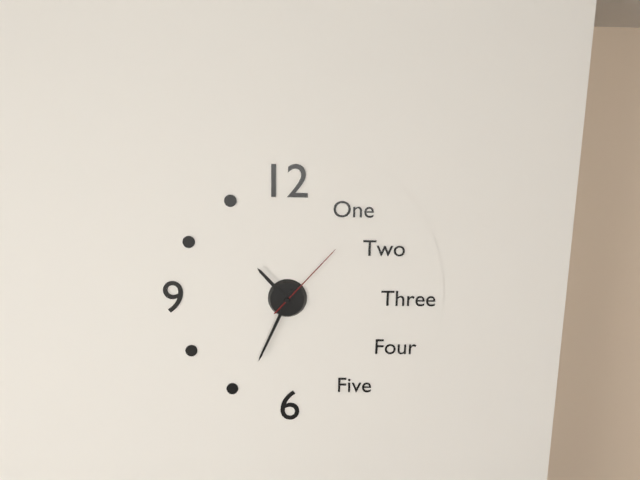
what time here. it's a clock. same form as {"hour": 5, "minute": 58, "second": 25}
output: {"hour": 10, "minute": 34, "second": 7}
